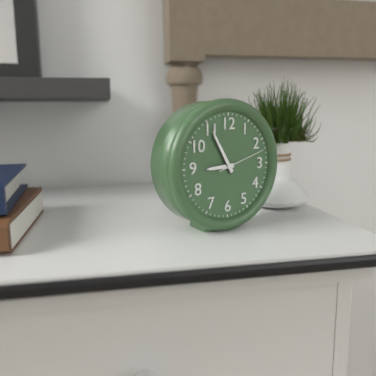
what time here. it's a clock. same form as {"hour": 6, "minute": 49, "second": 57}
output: {"hour": 8, "minute": 55, "second": 12}
